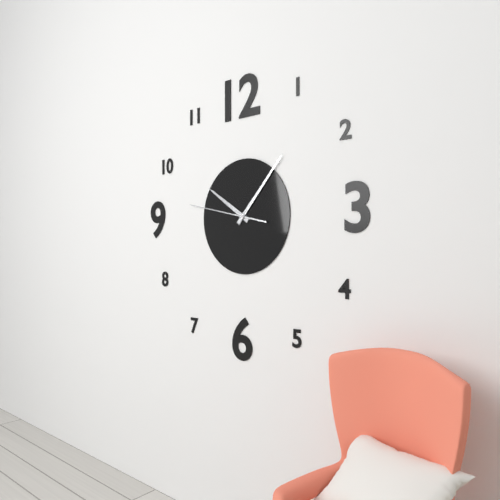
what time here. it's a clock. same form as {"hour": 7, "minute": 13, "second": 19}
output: {"hour": 10, "minute": 7, "second": 47}
